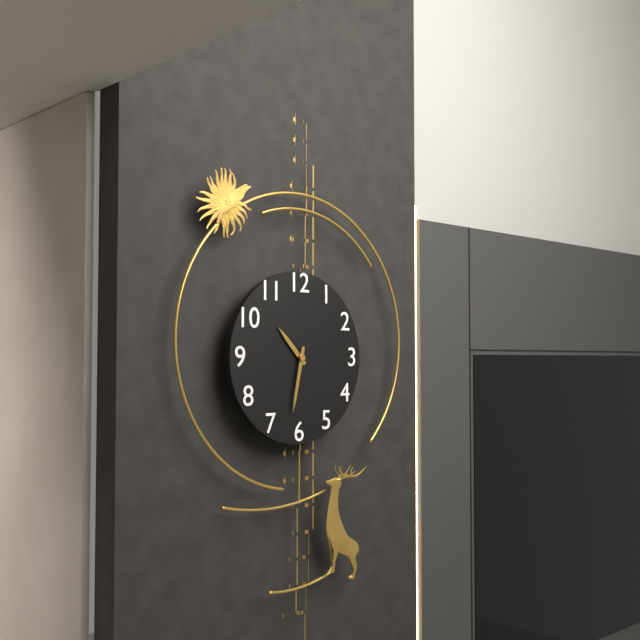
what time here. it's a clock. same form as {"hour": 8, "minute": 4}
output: {"hour": 10, "minute": 32}
